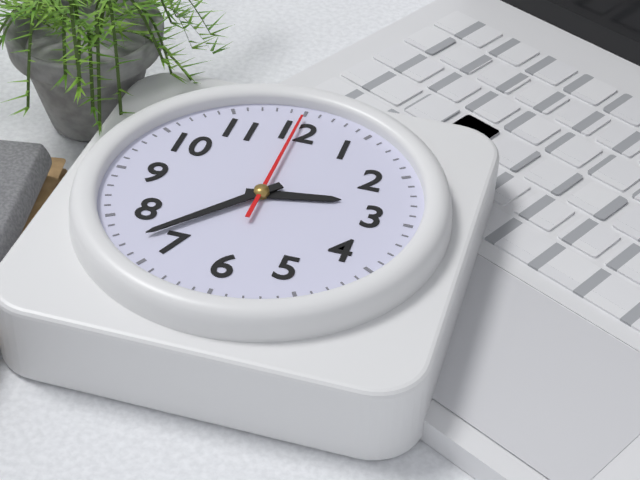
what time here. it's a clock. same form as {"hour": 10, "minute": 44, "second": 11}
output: {"hour": 2, "minute": 37, "second": 0}
